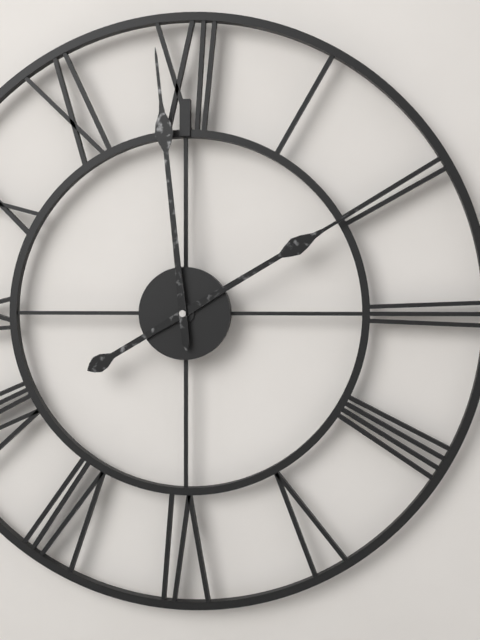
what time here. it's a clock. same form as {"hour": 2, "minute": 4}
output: {"hour": 1, "minute": 59}
